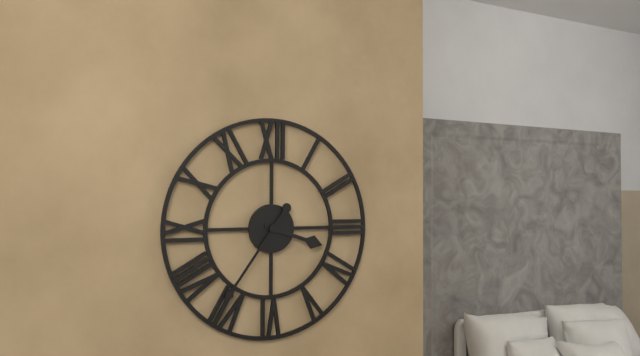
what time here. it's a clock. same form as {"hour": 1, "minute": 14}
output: {"hour": 3, "minute": 36}
